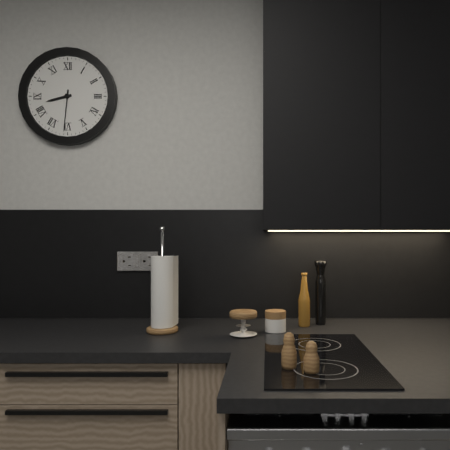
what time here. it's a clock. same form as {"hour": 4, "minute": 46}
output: {"hour": 8, "minute": 31}
